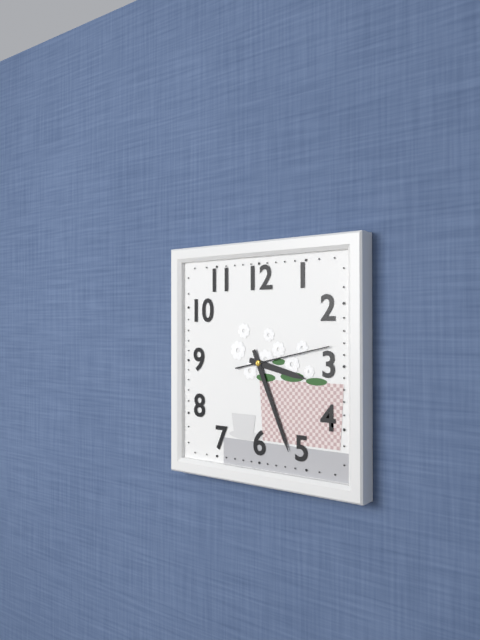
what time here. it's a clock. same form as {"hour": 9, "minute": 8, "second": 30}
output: {"hour": 3, "minute": 26, "second": 13}
